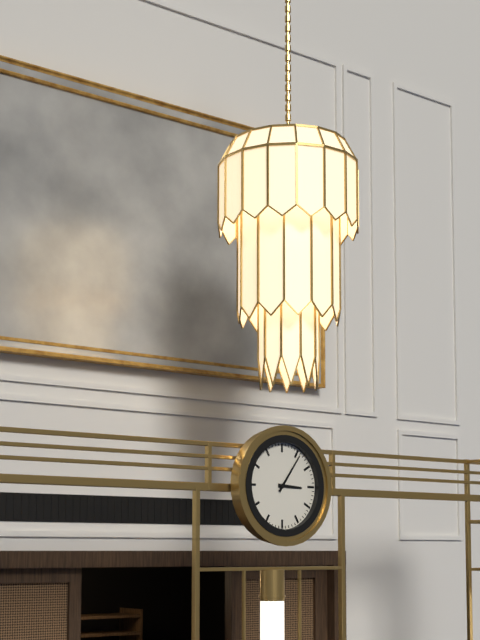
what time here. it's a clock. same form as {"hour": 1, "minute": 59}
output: {"hour": 3, "minute": 6}
